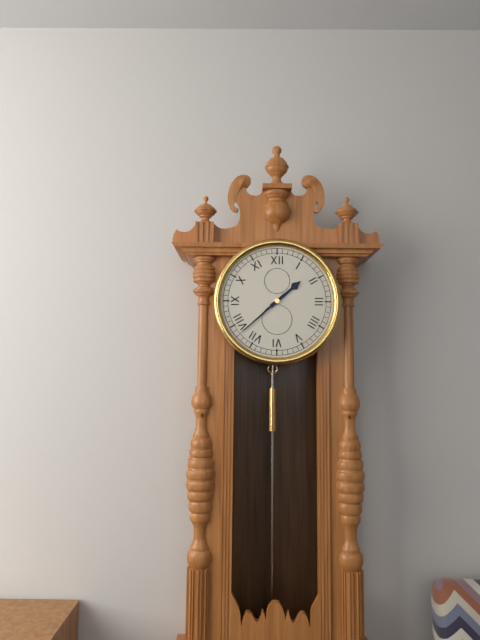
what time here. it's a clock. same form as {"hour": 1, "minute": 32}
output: {"hour": 1, "minute": 38}
